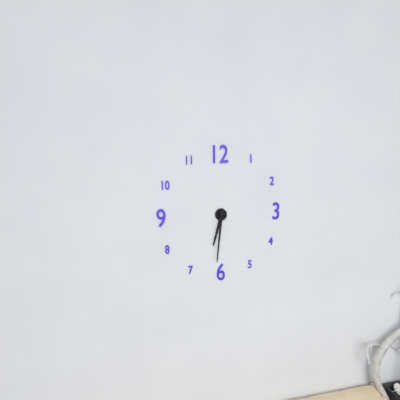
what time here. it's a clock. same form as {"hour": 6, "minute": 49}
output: {"hour": 6, "minute": 31}
